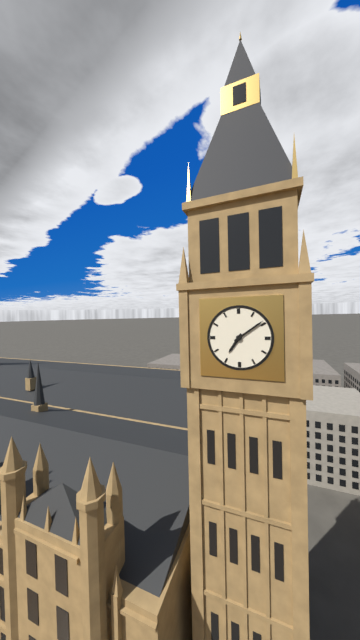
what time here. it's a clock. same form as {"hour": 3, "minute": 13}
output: {"hour": 7, "minute": 9}
